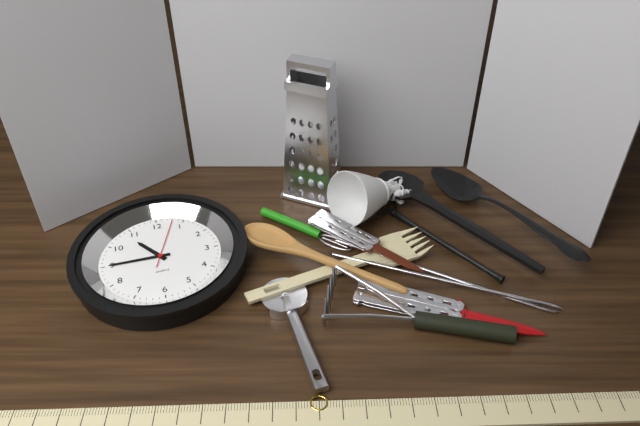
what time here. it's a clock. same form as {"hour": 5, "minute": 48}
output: {"hour": 10, "minute": 45}
